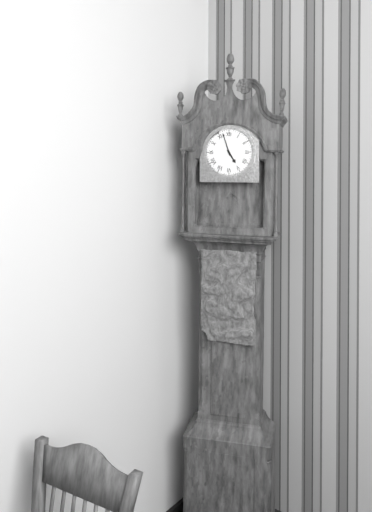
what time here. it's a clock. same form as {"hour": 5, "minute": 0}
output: {"hour": 4, "minute": 57}
